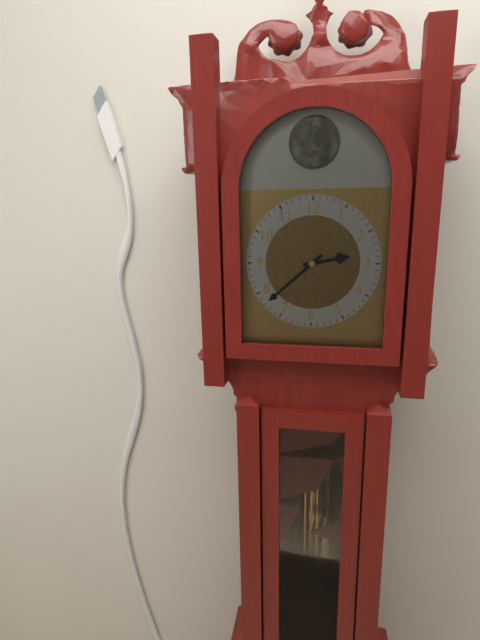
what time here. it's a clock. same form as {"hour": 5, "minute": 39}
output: {"hour": 2, "minute": 38}
